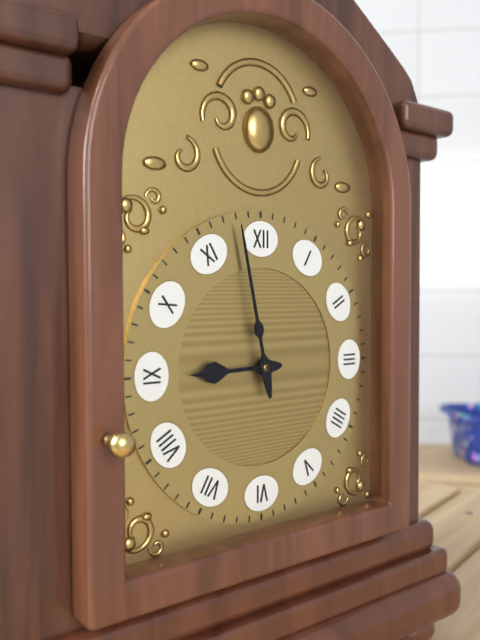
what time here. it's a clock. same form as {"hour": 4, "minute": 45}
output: {"hour": 8, "minute": 58}
